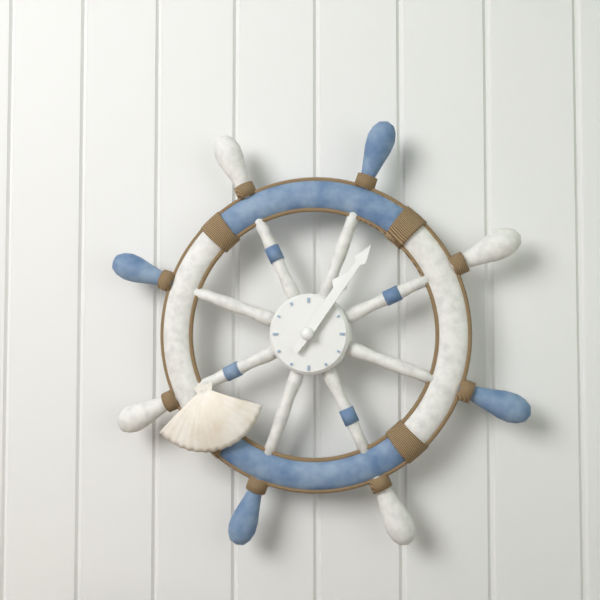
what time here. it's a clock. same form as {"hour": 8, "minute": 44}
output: {"hour": 1, "minute": 6}
